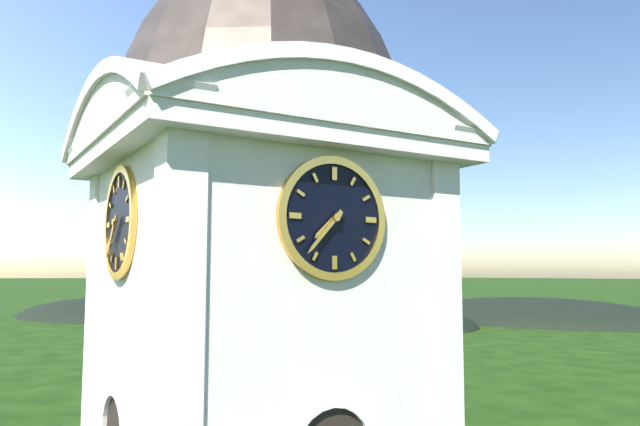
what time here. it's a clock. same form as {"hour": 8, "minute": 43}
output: {"hour": 7, "minute": 37}
